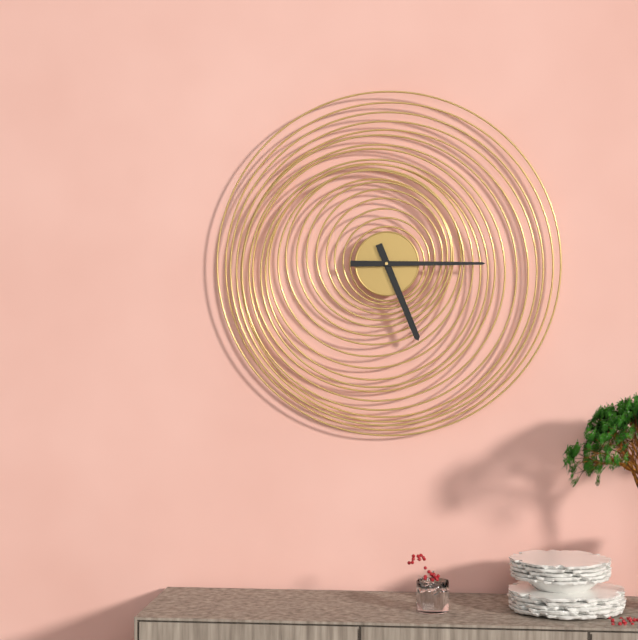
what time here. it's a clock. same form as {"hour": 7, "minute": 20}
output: {"hour": 5, "minute": 15}
